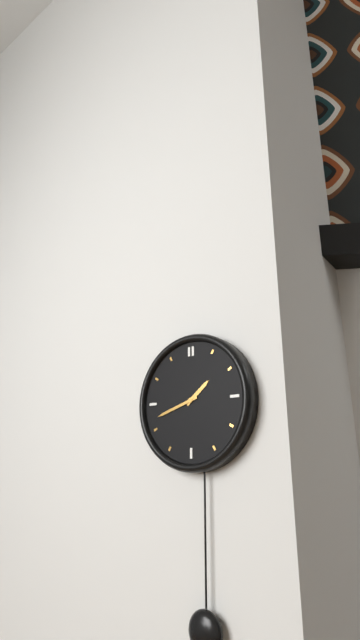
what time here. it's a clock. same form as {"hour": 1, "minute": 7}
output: {"hour": 1, "minute": 42}
